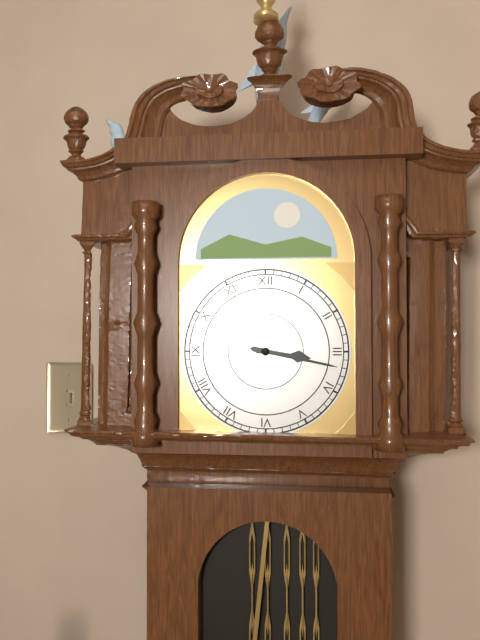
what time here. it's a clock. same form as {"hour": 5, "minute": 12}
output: {"hour": 3, "minute": 17}
